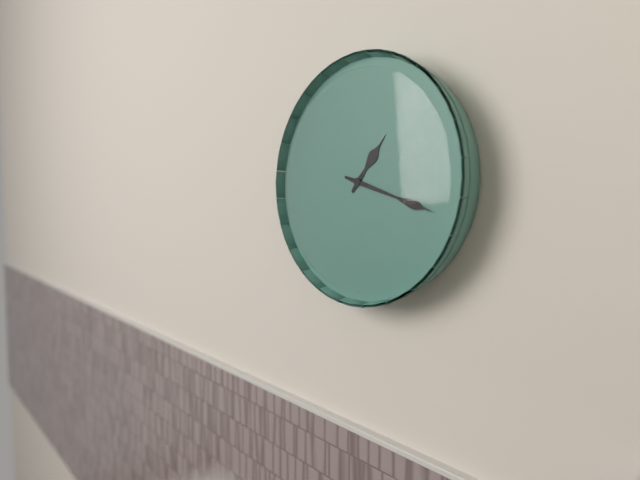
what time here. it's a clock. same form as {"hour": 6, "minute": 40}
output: {"hour": 1, "minute": 18}
